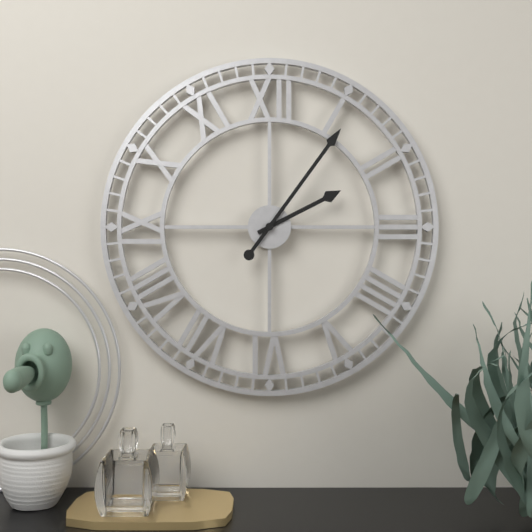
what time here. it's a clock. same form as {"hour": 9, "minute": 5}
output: {"hour": 2, "minute": 6}
